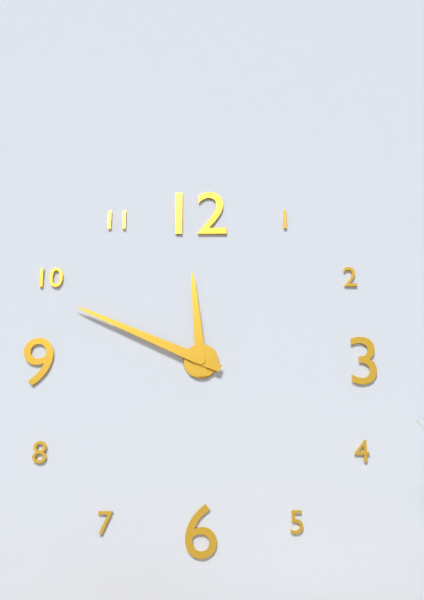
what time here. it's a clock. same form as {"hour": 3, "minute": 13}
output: {"hour": 11, "minute": 49}
